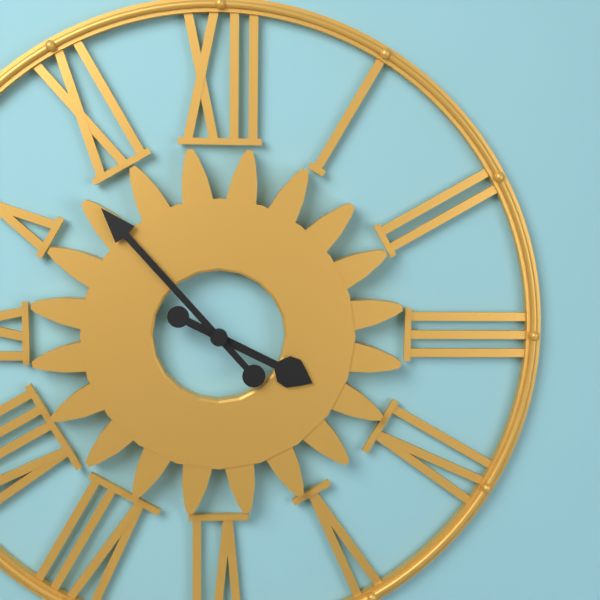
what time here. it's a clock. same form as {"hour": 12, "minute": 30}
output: {"hour": 3, "minute": 53}
